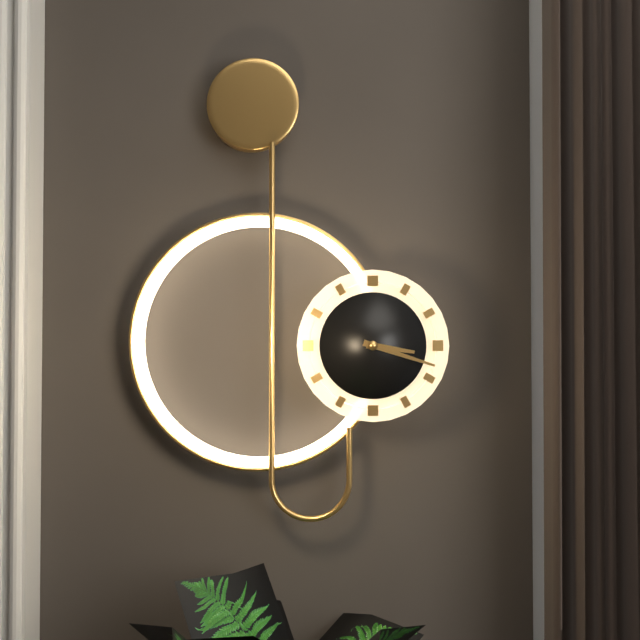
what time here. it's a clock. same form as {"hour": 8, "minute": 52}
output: {"hour": 3, "minute": 18}
